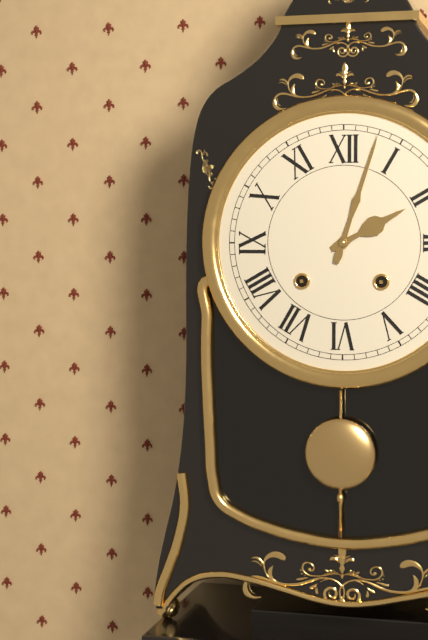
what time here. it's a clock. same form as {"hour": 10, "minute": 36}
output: {"hour": 2, "minute": 3}
